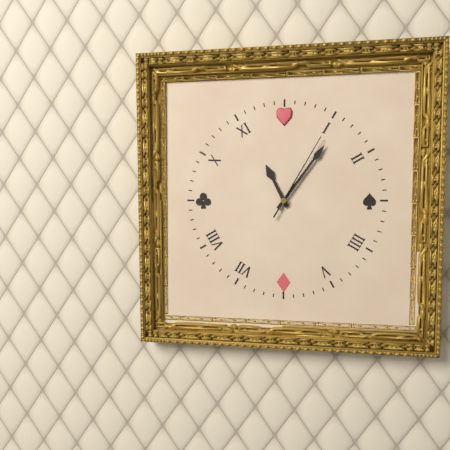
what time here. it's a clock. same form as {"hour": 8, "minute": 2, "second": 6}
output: {"hour": 11, "minute": 6, "second": 5}
